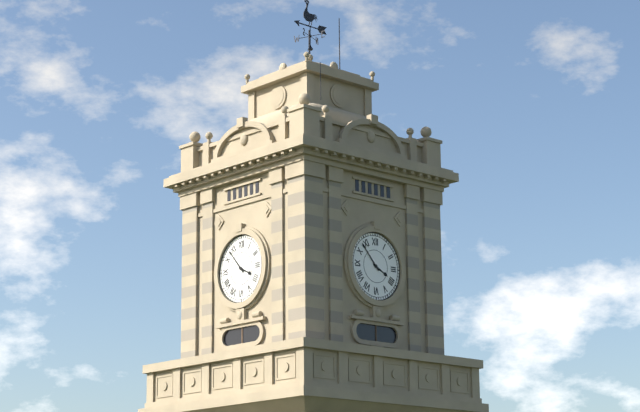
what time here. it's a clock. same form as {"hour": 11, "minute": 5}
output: {"hour": 3, "minute": 53}
